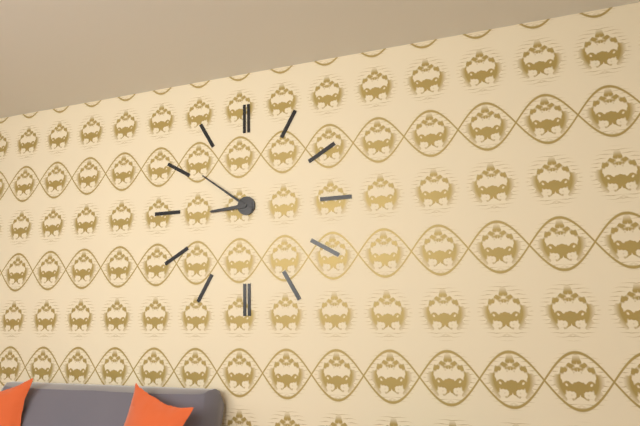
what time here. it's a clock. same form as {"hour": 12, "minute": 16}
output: {"hour": 8, "minute": 51}
